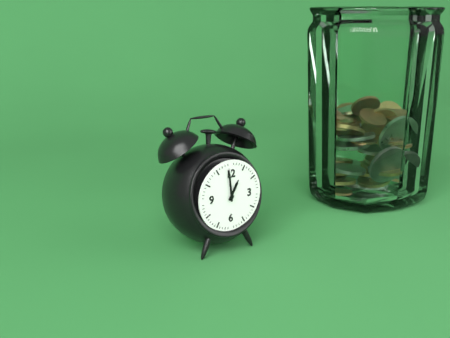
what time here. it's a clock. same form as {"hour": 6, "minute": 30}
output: {"hour": 12, "minute": 59}
